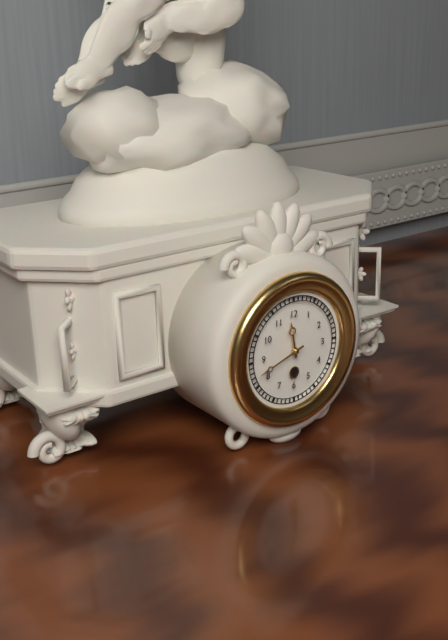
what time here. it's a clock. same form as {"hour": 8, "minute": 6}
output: {"hour": 11, "minute": 42}
